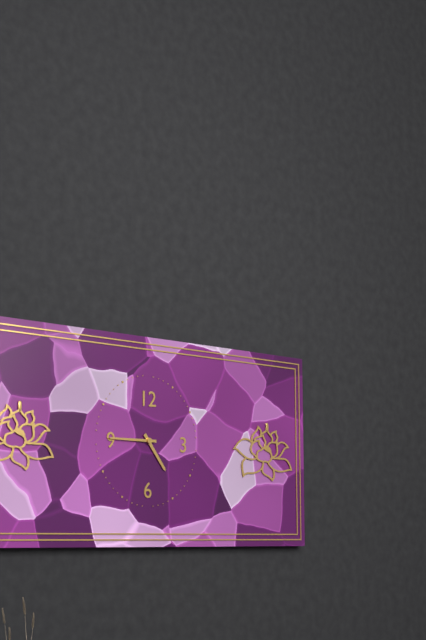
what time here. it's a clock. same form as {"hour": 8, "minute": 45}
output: {"hour": 4, "minute": 45}
